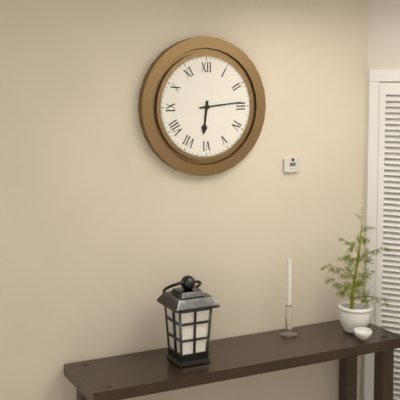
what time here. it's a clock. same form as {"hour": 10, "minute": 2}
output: {"hour": 6, "minute": 14}
